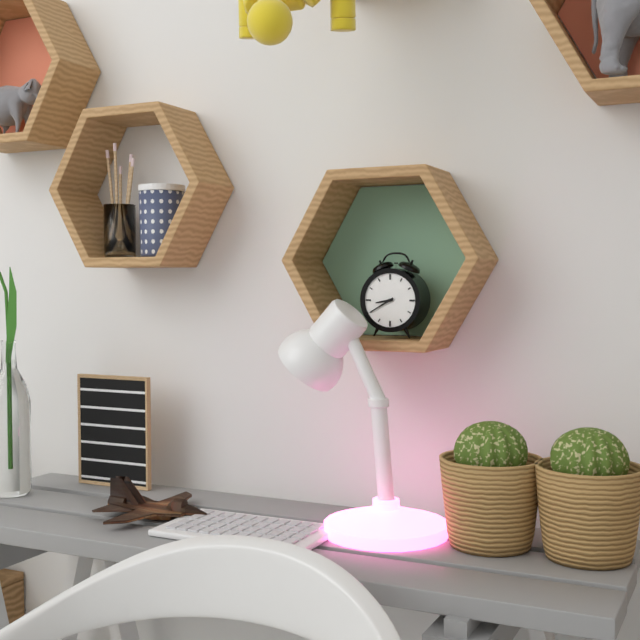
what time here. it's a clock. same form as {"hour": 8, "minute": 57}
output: {"hour": 8, "minute": 40}
